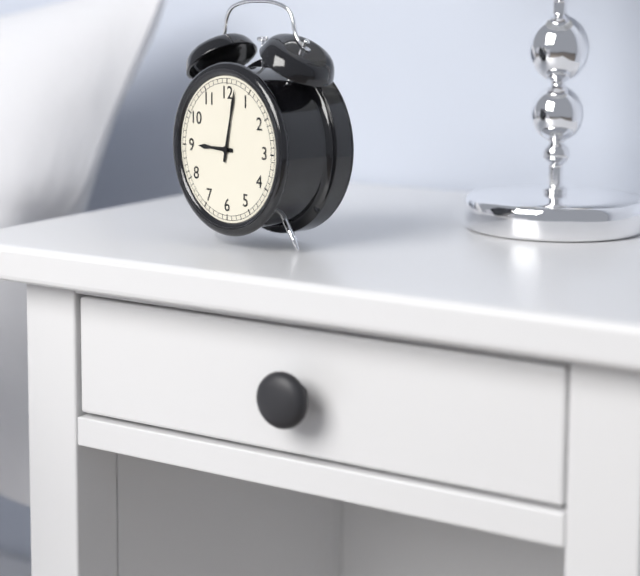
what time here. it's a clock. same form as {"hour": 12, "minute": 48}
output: {"hour": 9, "minute": 2}
